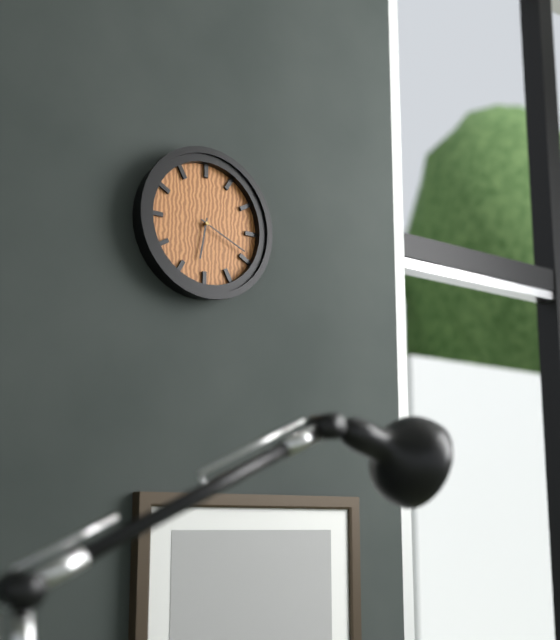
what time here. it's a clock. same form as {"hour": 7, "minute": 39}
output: {"hour": 6, "minute": 19}
